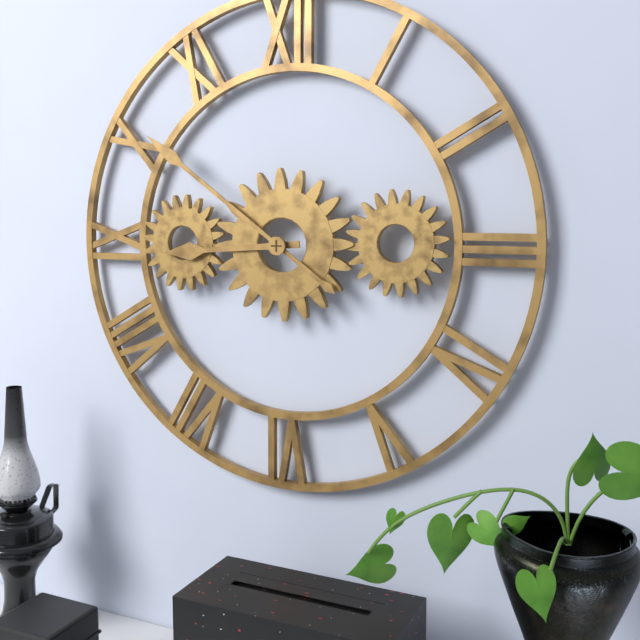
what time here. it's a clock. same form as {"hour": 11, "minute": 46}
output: {"hour": 8, "minute": 51}
